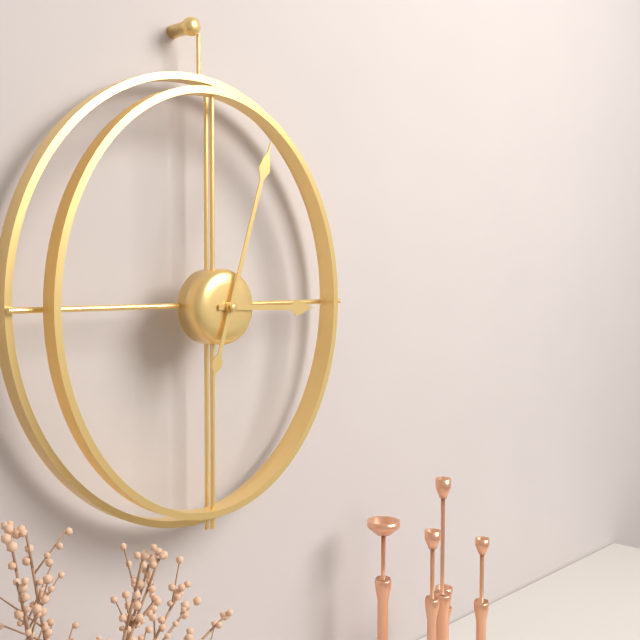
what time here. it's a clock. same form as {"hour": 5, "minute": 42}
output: {"hour": 3, "minute": 3}
